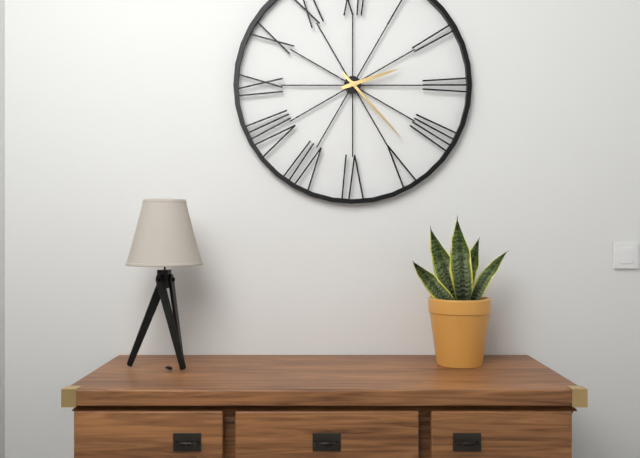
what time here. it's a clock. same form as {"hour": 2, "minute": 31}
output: {"hour": 2, "minute": 23}
